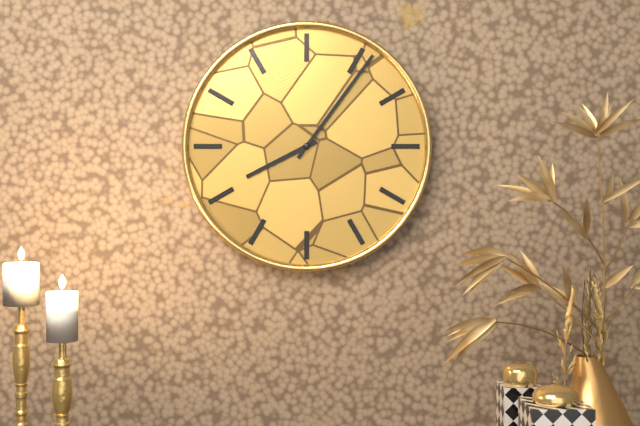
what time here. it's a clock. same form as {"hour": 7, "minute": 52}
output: {"hour": 8, "minute": 6}
